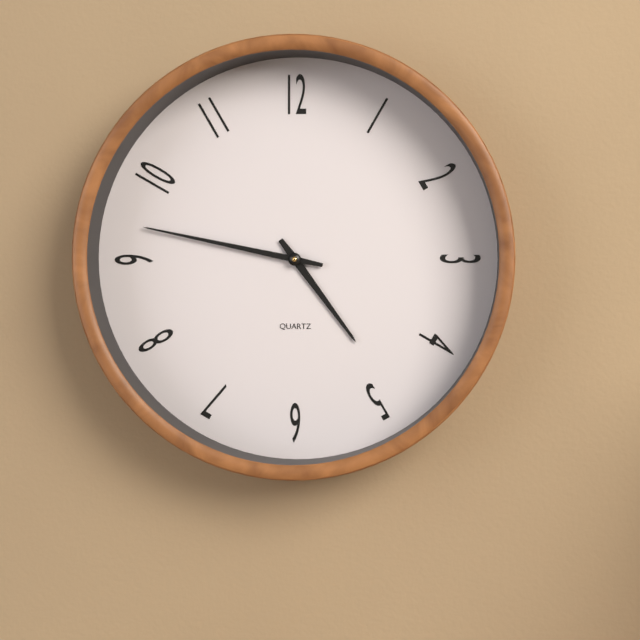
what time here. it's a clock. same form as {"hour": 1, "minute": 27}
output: {"hour": 4, "minute": 47}
